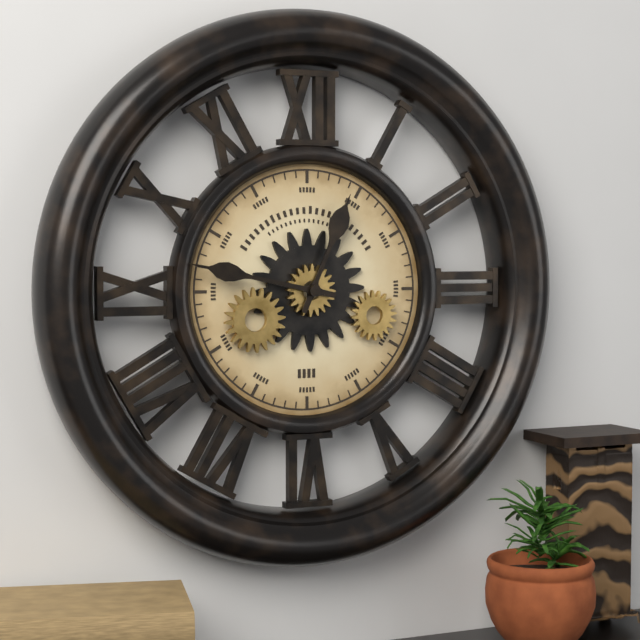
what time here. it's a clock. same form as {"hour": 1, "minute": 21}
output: {"hour": 12, "minute": 47}
